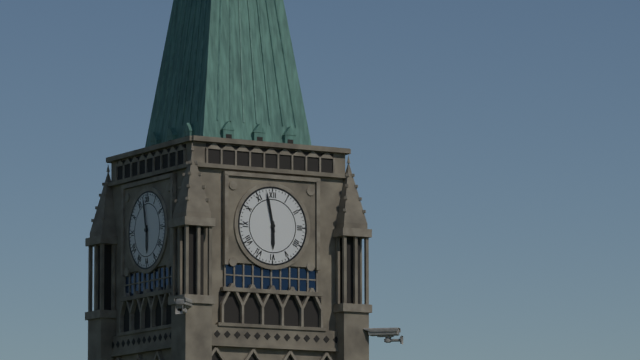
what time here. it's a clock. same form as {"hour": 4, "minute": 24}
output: {"hour": 5, "minute": 58}
